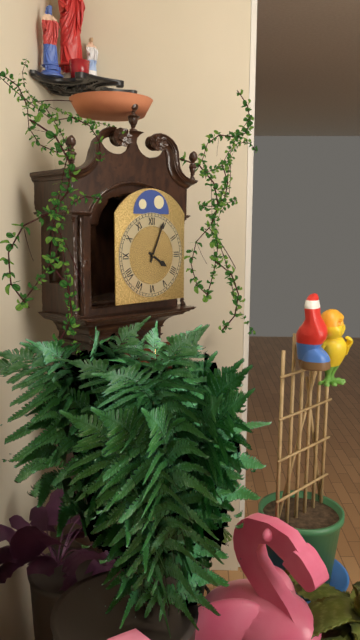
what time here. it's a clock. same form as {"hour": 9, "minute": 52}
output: {"hour": 4, "minute": 4}
